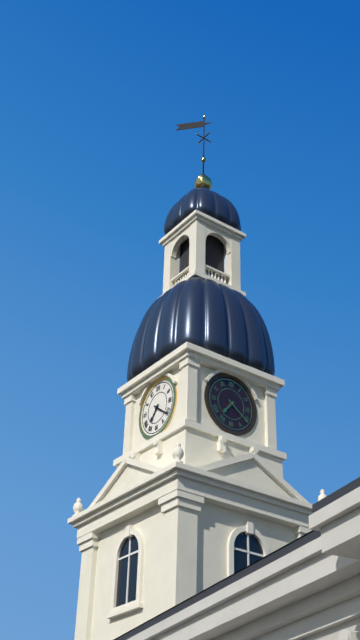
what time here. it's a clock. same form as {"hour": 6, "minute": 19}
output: {"hour": 7, "minute": 21}
